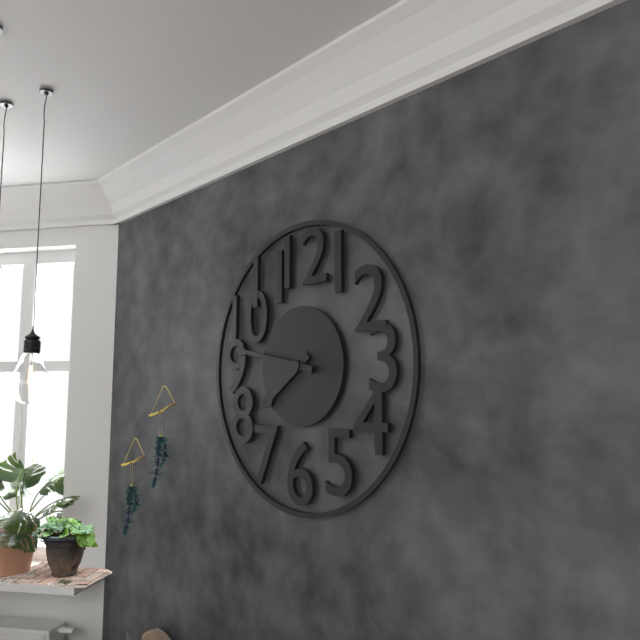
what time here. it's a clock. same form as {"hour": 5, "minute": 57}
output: {"hour": 7, "minute": 47}
